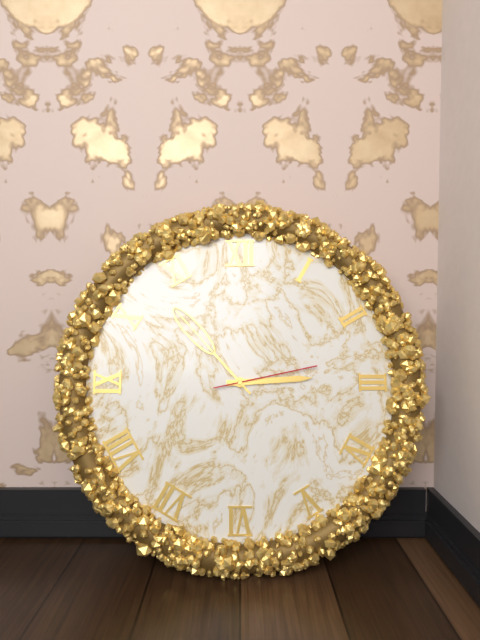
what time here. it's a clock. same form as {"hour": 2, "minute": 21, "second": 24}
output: {"hour": 2, "minute": 53, "second": 13}
